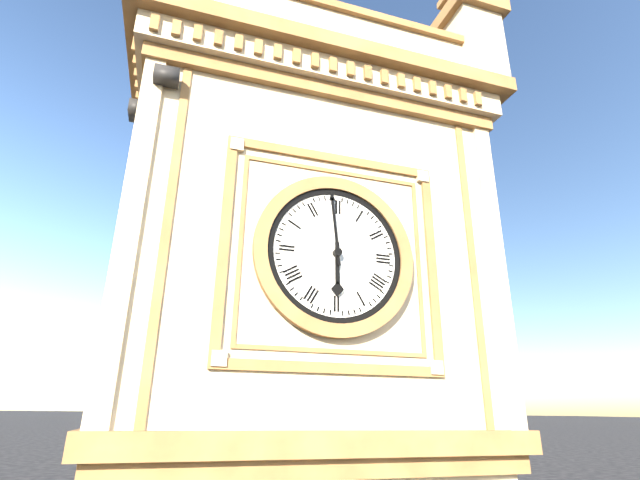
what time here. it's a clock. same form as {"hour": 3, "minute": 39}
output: {"hour": 5, "minute": 59}
